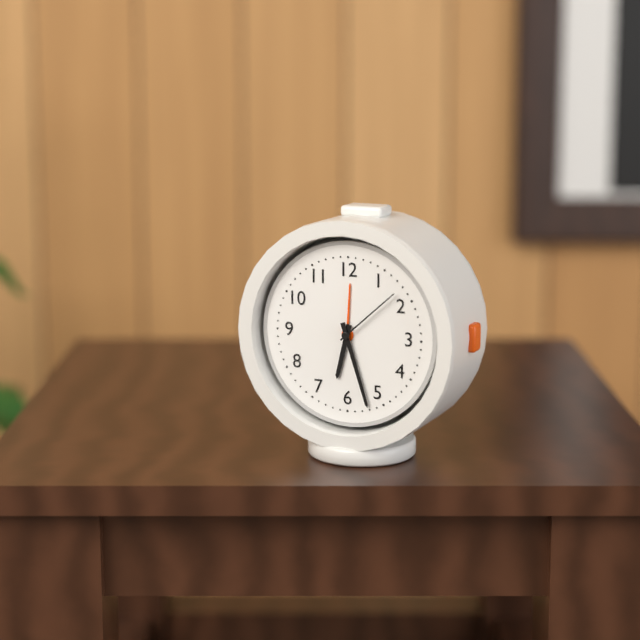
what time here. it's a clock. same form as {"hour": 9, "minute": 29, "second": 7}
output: {"hour": 6, "minute": 27, "second": 8}
